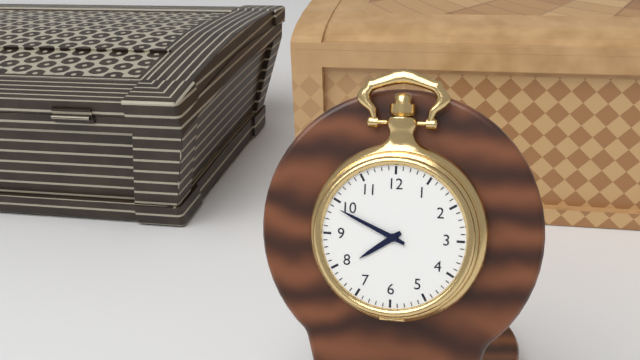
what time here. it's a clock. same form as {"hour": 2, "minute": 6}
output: {"hour": 7, "minute": 49}
